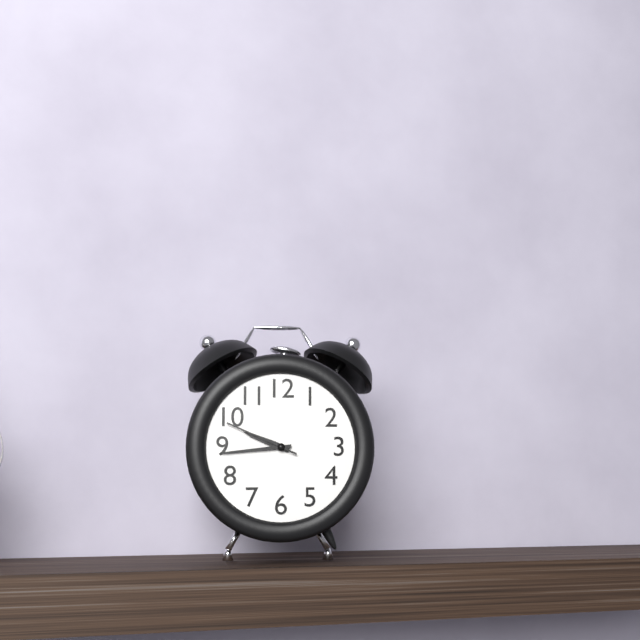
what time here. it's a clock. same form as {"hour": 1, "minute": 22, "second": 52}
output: {"hour": 9, "minute": 44, "second": 49}
